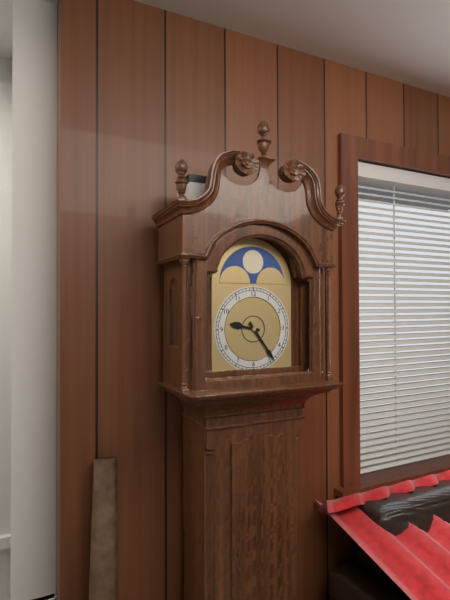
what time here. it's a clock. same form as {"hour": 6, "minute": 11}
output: {"hour": 9, "minute": 24}
